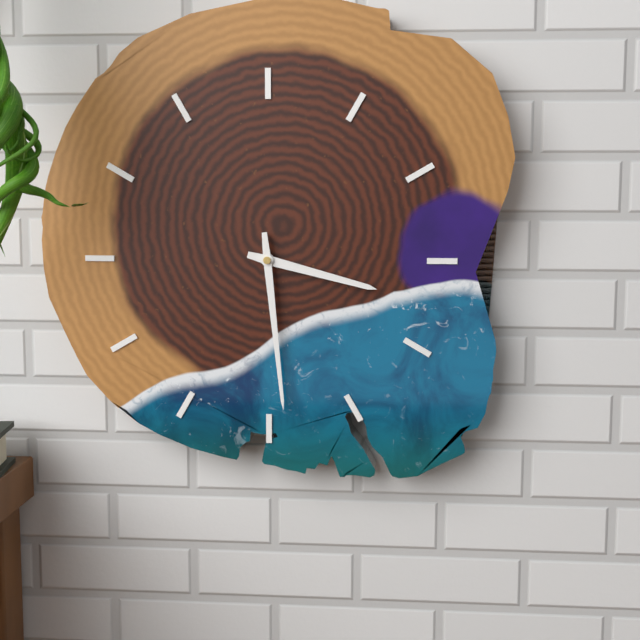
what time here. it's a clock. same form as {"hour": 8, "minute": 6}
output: {"hour": 3, "minute": 29}
